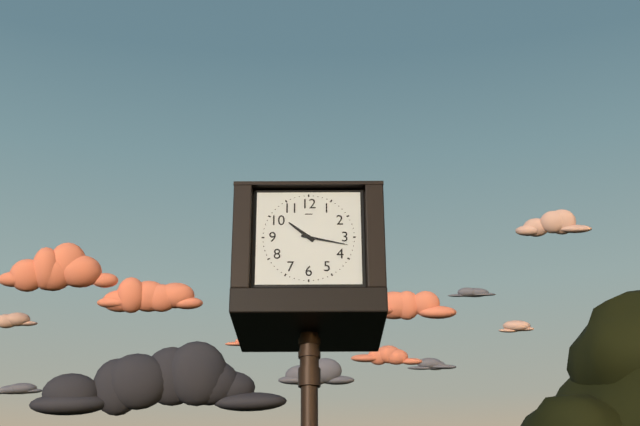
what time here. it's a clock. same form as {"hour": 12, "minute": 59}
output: {"hour": 10, "minute": 17}
